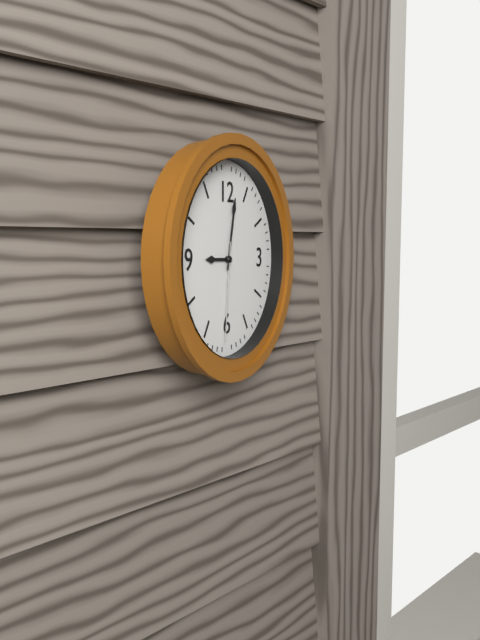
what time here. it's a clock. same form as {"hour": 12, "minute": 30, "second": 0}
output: {"hour": 9, "minute": 2, "second": 31}
